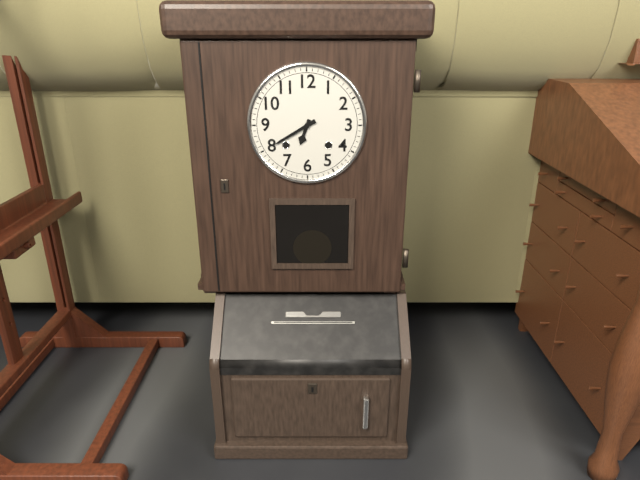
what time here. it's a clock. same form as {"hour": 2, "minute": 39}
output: {"hour": 6, "minute": 40}
